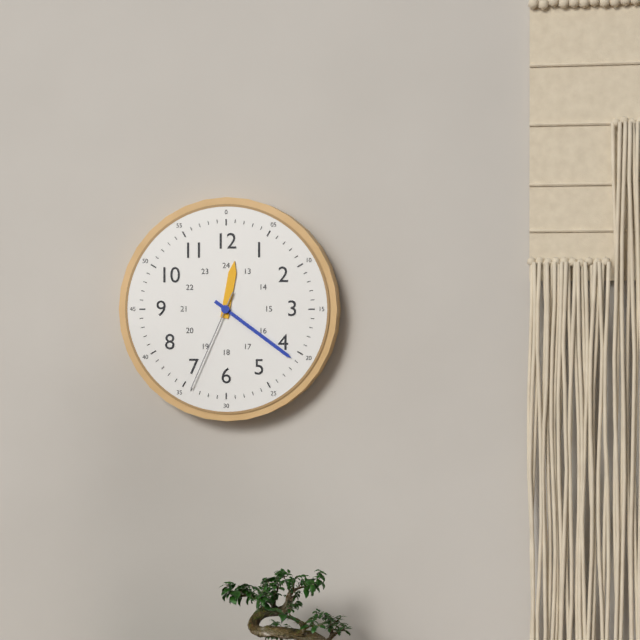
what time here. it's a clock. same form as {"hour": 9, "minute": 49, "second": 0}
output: {"hour": 12, "minute": 21, "second": 34}
